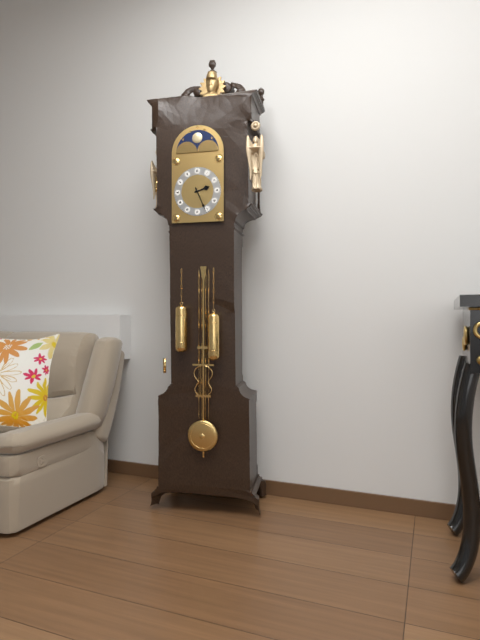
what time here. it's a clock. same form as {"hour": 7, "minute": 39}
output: {"hour": 2, "minute": 26}
